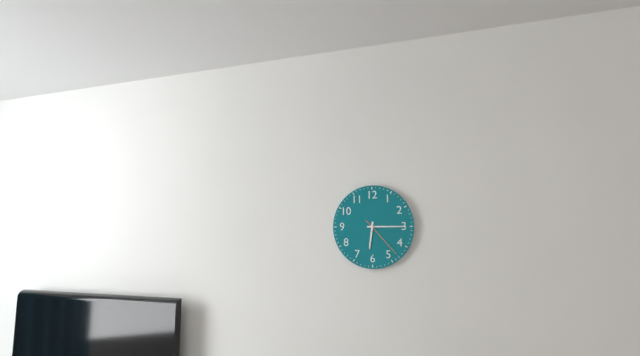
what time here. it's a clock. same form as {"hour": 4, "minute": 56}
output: {"hour": 6, "minute": 15}
